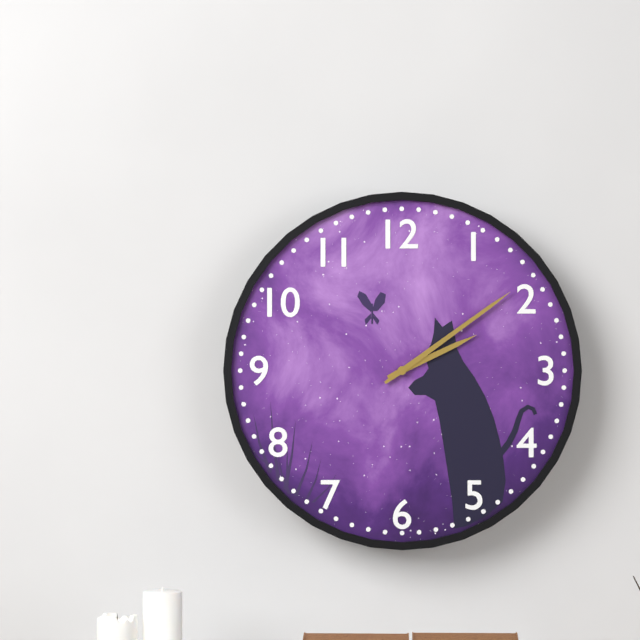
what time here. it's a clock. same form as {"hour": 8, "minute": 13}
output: {"hour": 2, "minute": 9}
